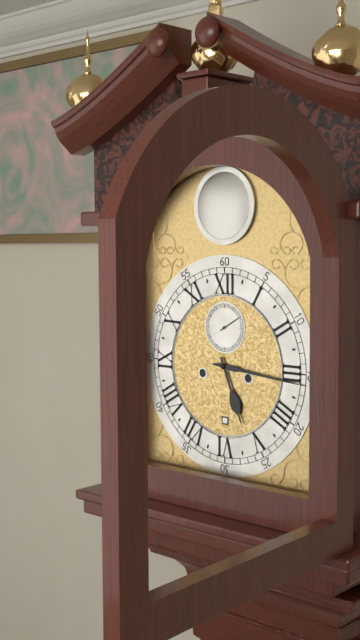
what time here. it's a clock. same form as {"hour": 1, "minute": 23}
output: {"hour": 5, "minute": 16}
